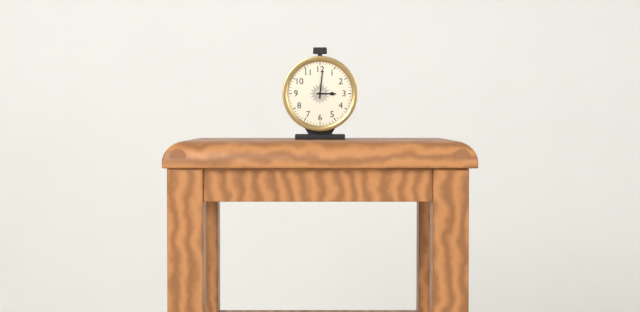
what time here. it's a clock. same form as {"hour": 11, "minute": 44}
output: {"hour": 3, "minute": 1}
